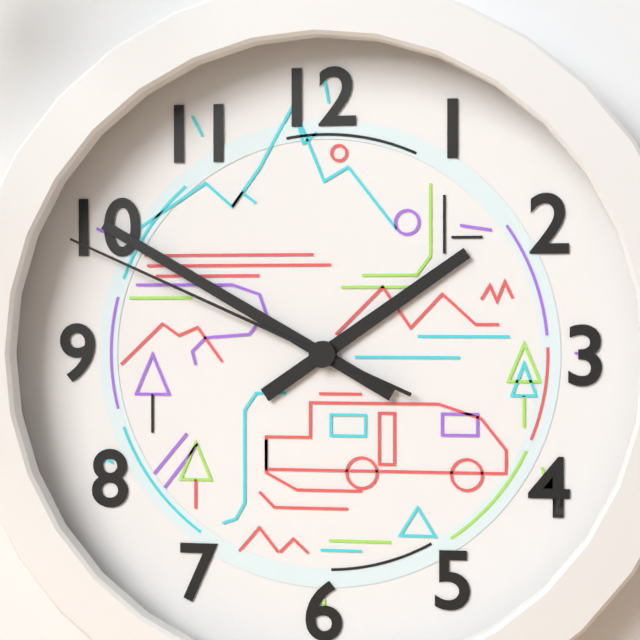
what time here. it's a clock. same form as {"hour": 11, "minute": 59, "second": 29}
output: {"hour": 1, "minute": 50, "second": 49}
